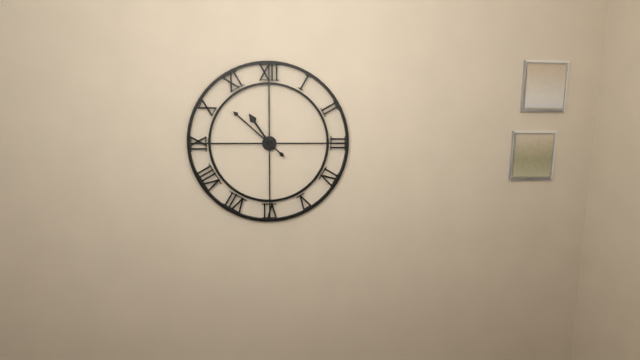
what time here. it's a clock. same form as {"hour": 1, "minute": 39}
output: {"hour": 10, "minute": 52}
